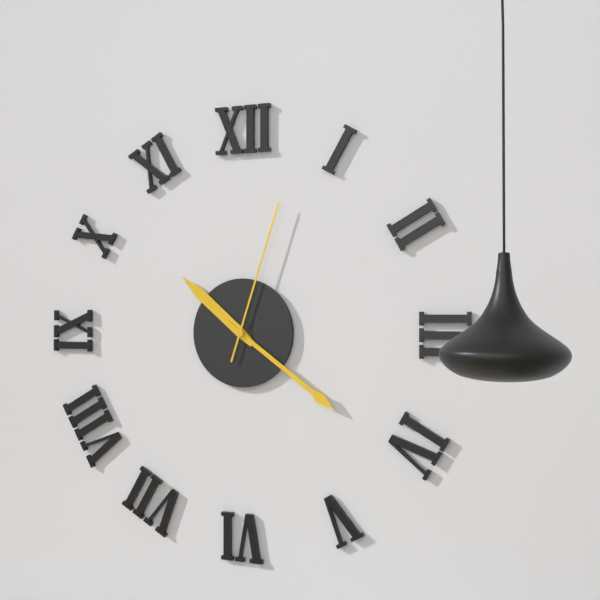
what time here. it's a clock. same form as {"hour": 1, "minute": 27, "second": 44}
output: {"hour": 10, "minute": 21, "second": 3}
